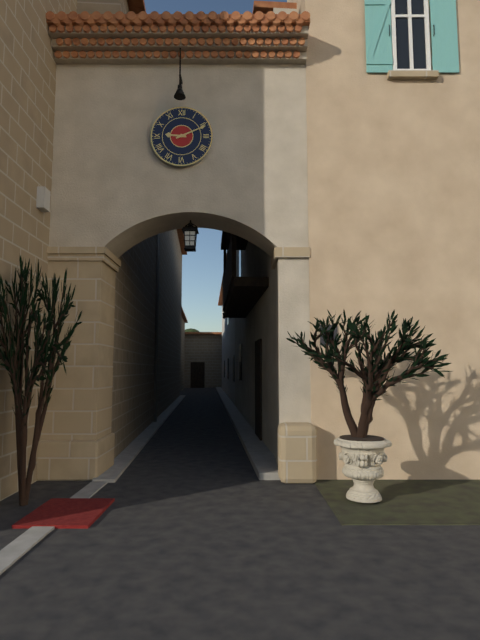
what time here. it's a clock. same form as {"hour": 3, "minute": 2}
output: {"hour": 9, "minute": 11}
